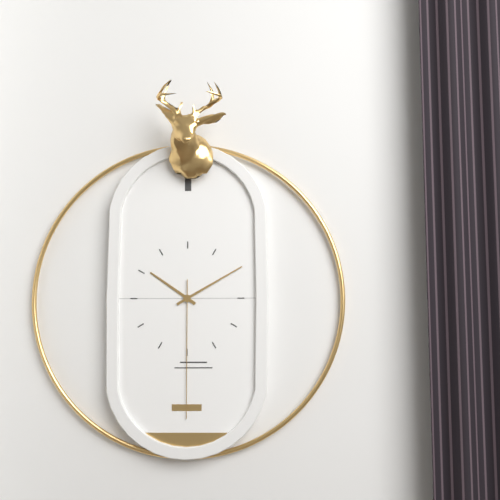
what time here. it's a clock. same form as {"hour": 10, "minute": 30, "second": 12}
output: {"hour": 10, "minute": 10, "second": 30}
